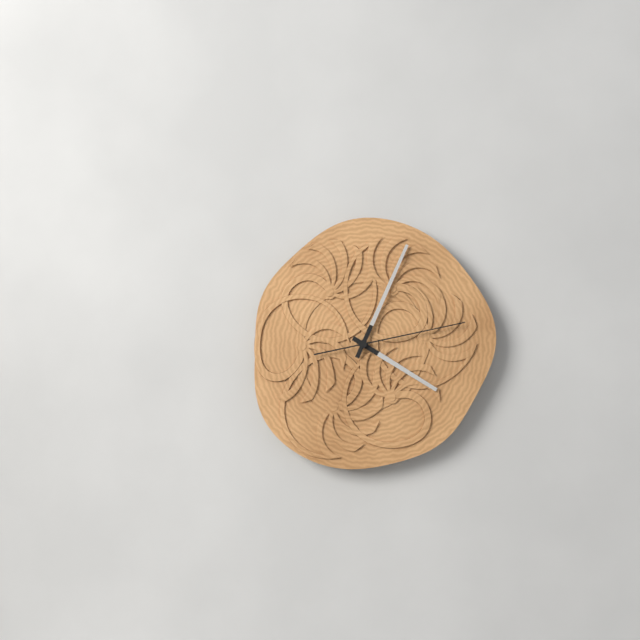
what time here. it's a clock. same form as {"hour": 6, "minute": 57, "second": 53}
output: {"hour": 4, "minute": 4, "second": 13}
